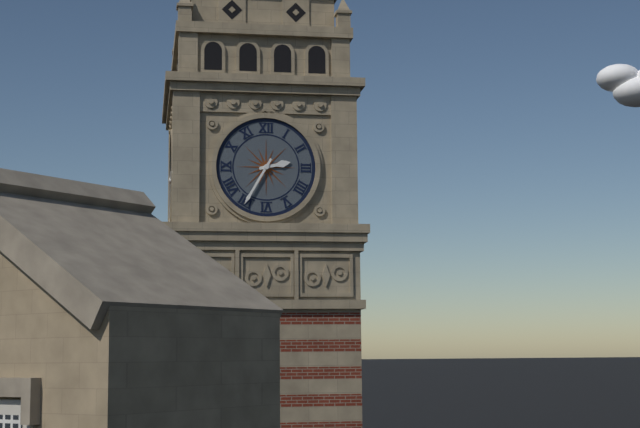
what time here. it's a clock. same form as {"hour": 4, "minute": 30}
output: {"hour": 2, "minute": 35}
